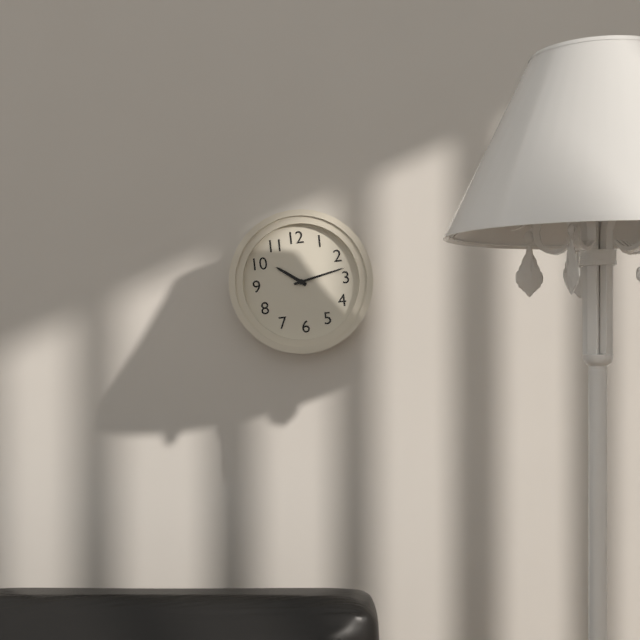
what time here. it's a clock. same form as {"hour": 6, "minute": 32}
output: {"hour": 10, "minute": 13}
